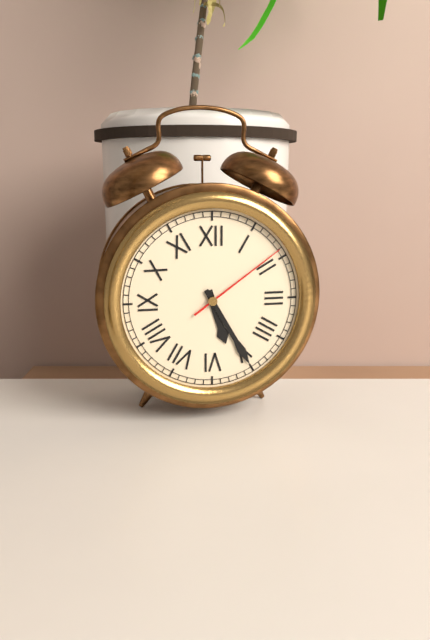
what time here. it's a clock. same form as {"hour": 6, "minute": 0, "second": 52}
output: {"hour": 5, "minute": 25, "second": 9}
